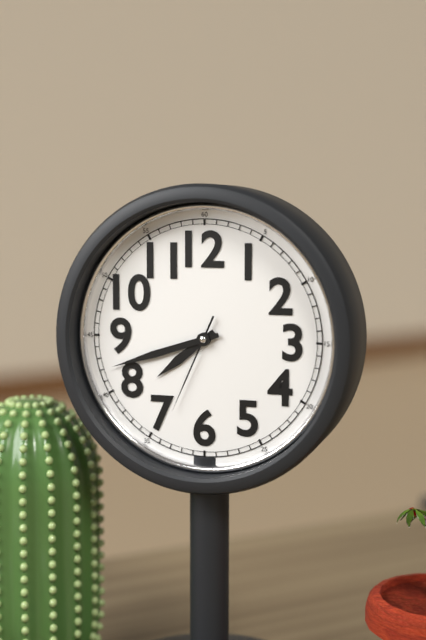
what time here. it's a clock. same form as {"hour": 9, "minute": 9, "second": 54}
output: {"hour": 7, "minute": 42, "second": 34}
